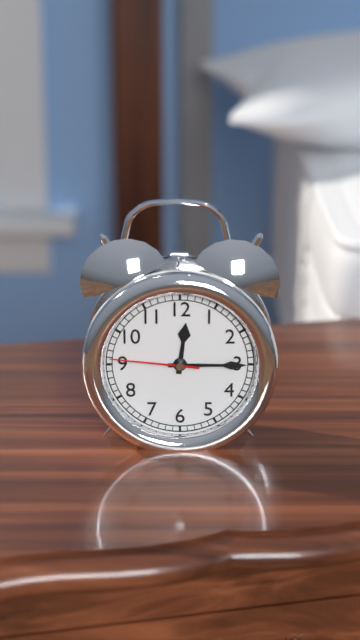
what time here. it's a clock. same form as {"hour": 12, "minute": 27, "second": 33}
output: {"hour": 12, "minute": 15, "second": 46}
